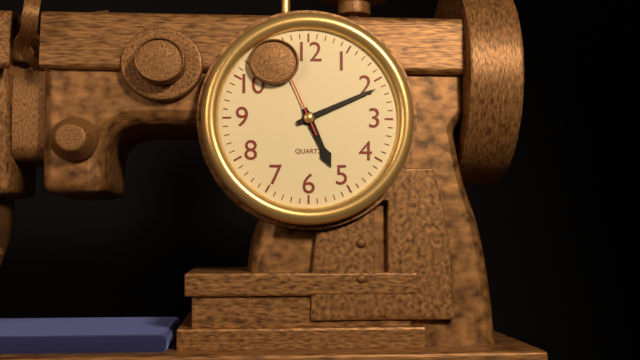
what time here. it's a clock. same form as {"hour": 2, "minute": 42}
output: {"hour": 5, "minute": 11}
